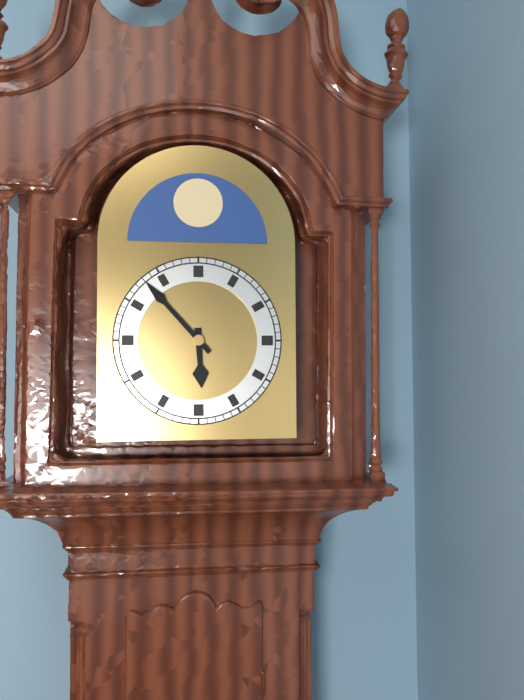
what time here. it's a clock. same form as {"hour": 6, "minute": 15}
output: {"hour": 5, "minute": 53}
